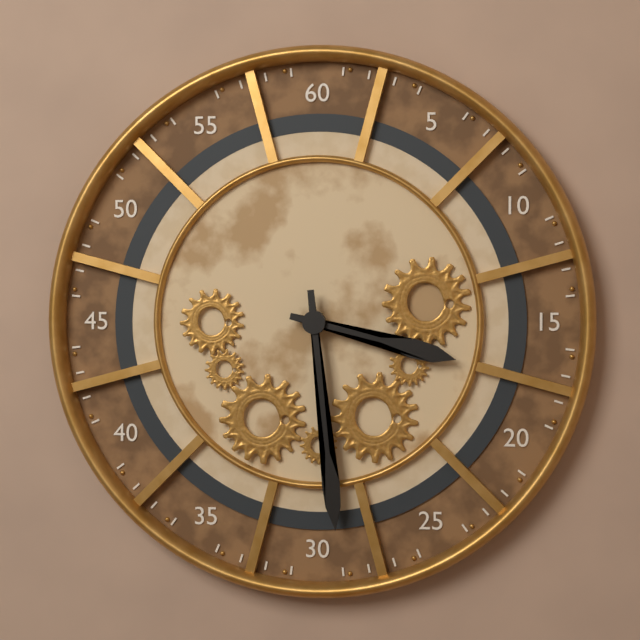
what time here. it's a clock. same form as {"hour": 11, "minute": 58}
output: {"hour": 3, "minute": 29}
